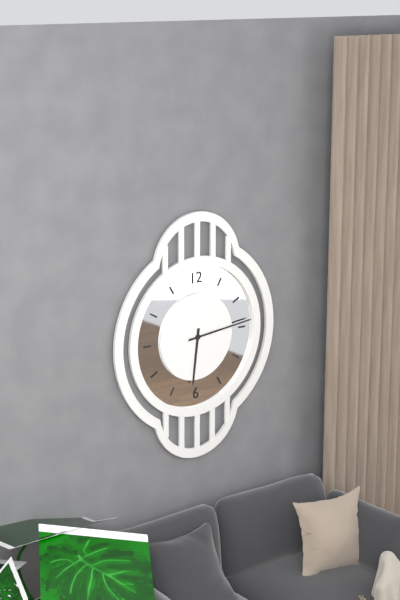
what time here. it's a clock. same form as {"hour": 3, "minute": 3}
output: {"hour": 6, "minute": 14}
